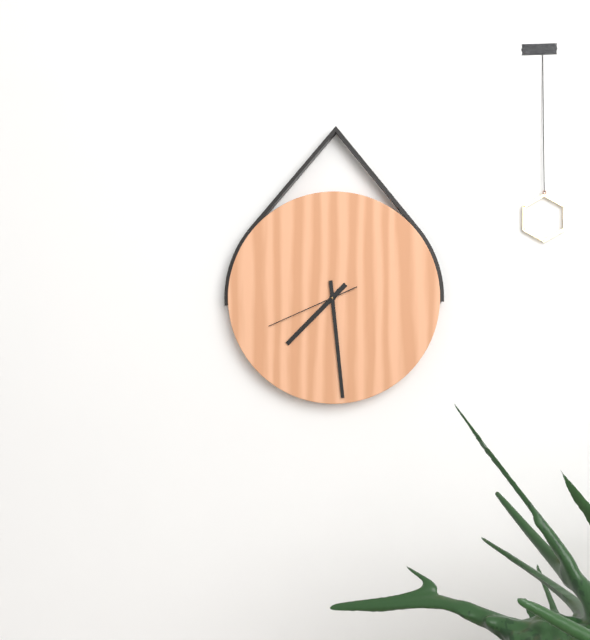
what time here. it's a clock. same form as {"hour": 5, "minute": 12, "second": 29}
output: {"hour": 7, "minute": 29, "second": 41}
